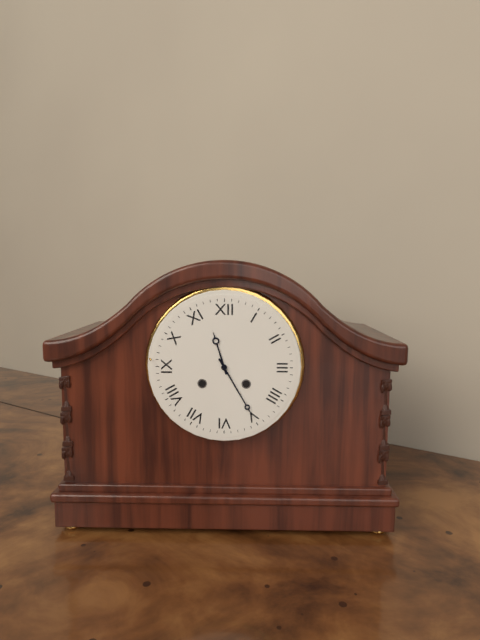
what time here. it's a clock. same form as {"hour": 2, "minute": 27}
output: {"hour": 11, "minute": 25}
